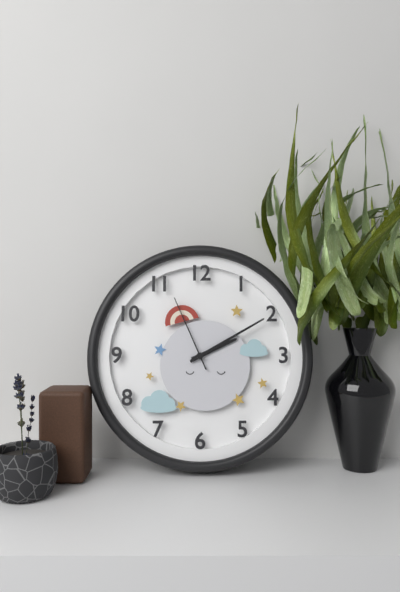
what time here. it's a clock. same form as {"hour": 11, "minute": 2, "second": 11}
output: {"hour": 2, "minute": 10, "second": 56}
